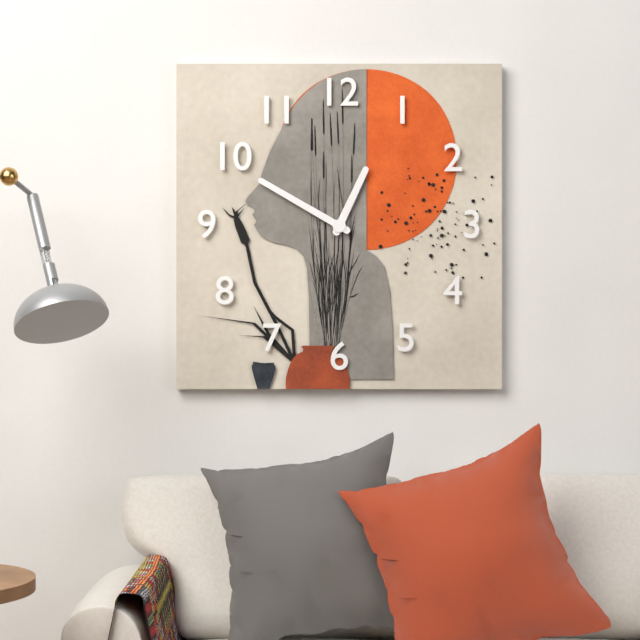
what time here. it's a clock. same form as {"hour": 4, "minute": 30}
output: {"hour": 12, "minute": 50}
